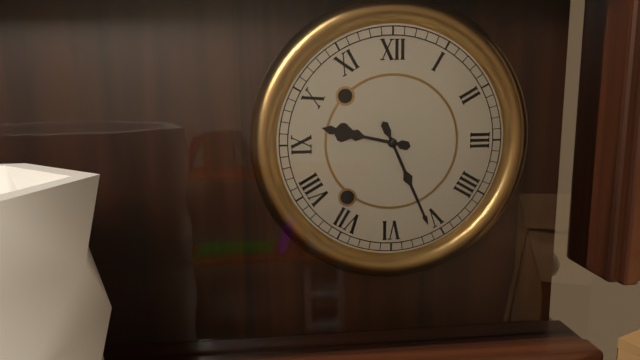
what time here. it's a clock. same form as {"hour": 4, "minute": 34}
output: {"hour": 9, "minute": 26}
